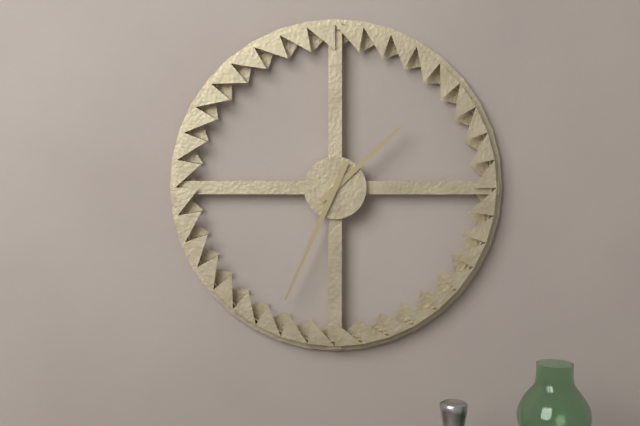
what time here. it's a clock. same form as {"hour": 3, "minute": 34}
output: {"hour": 1, "minute": 34}
